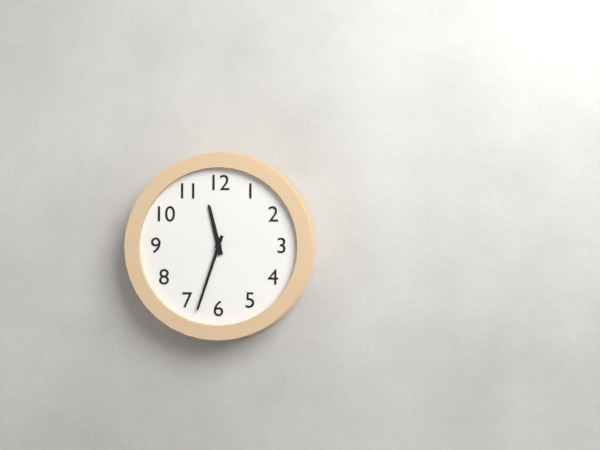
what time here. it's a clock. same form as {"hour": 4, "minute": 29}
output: {"hour": 11, "minute": 33}
